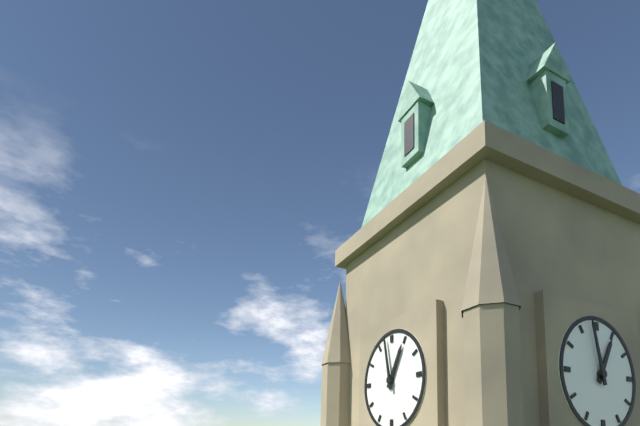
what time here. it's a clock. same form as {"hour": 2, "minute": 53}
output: {"hour": 12, "minute": 58}
